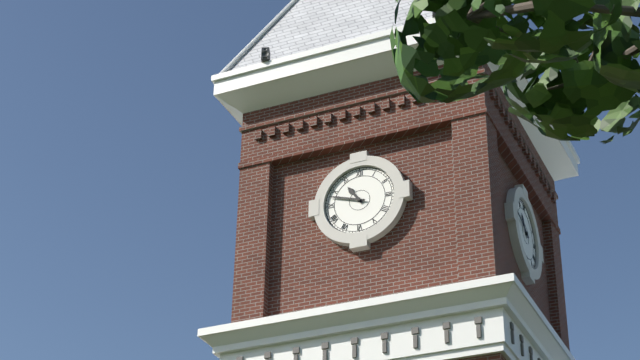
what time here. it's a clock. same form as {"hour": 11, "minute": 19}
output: {"hour": 10, "minute": 48}
